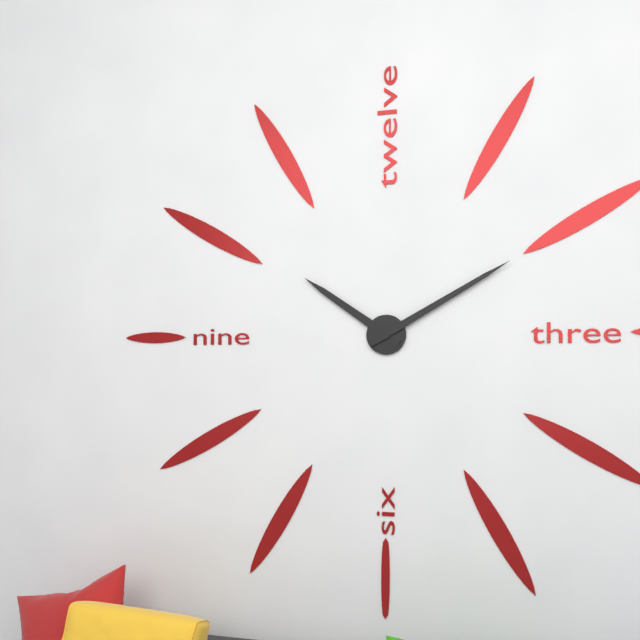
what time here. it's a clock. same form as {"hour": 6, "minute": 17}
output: {"hour": 10, "minute": 10}
